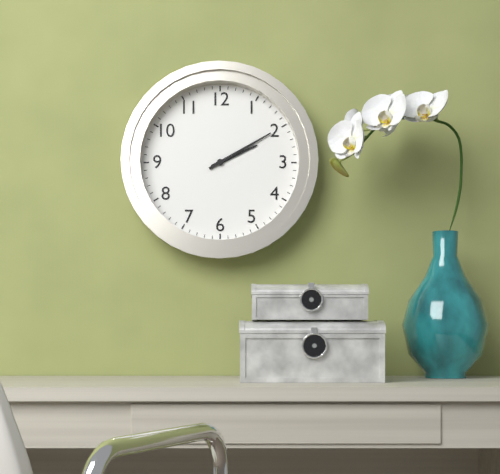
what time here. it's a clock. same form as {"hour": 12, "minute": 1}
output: {"hour": 2, "minute": 10}
